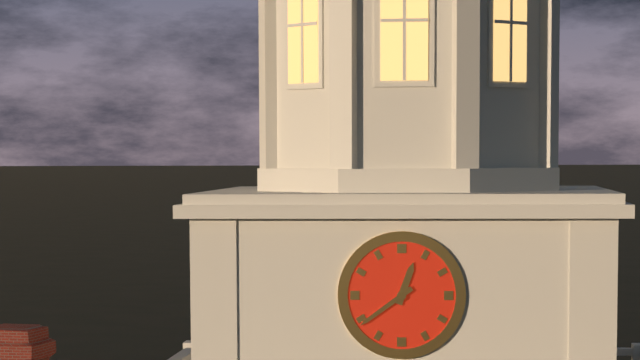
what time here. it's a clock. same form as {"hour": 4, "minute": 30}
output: {"hour": 12, "minute": 39}
